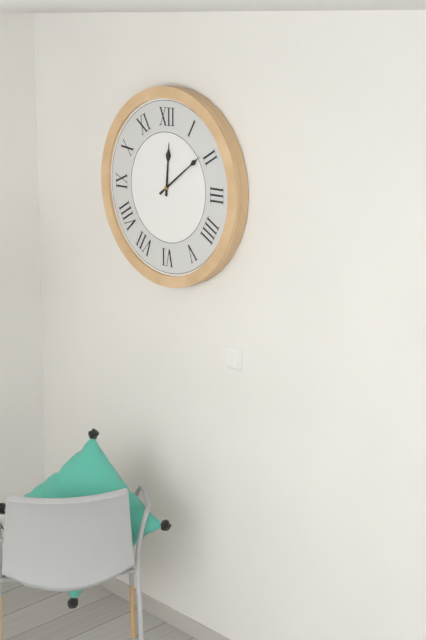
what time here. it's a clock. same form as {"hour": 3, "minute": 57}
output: {"hour": 12, "minute": 9}
